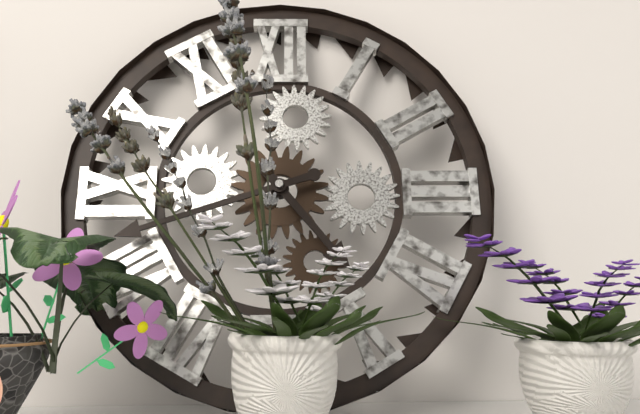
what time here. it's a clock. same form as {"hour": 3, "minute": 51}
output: {"hour": 4, "minute": 42}
